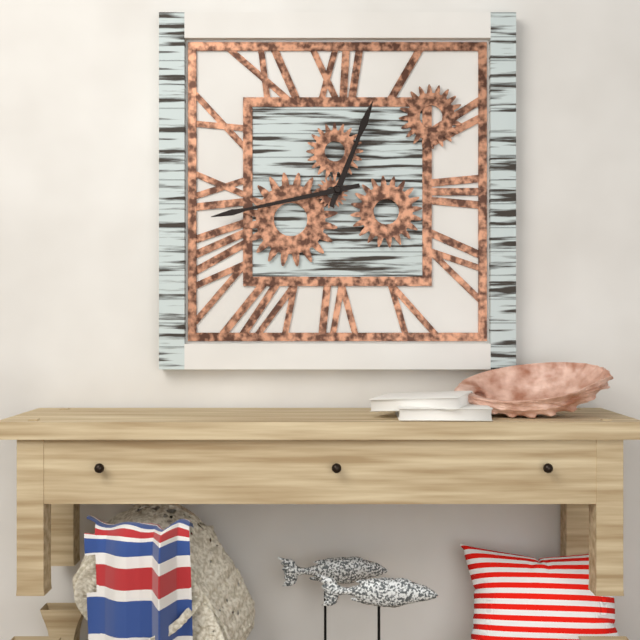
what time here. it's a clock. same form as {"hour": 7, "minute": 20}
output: {"hour": 12, "minute": 43}
